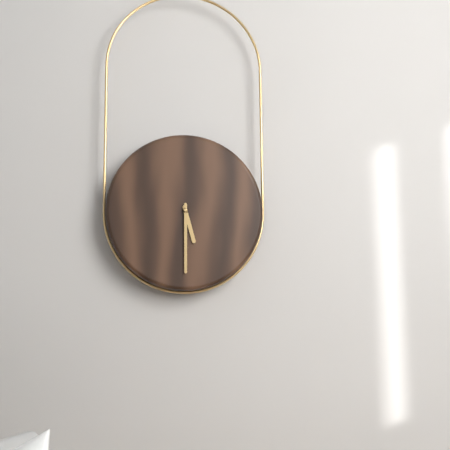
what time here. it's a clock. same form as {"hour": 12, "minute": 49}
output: {"hour": 5, "minute": 30}
